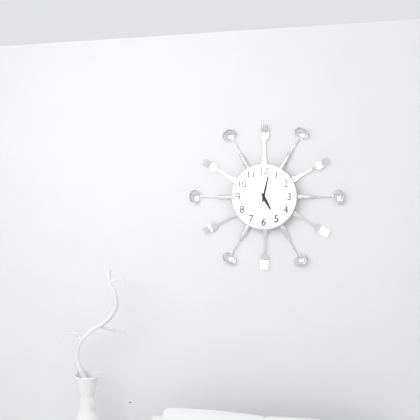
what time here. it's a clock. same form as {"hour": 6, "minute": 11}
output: {"hour": 5, "minute": 2}
